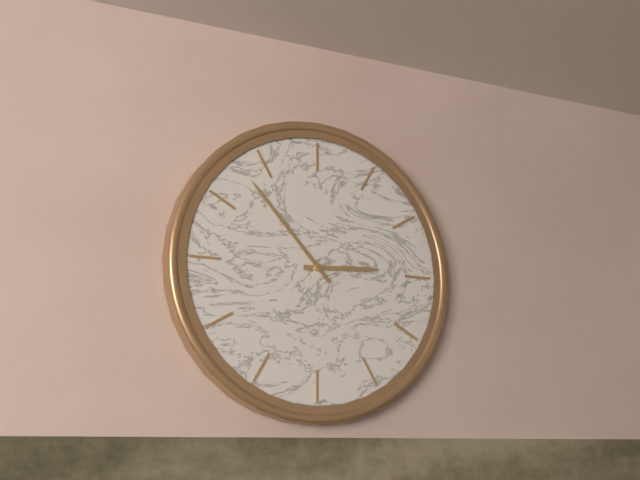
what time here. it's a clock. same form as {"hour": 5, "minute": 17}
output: {"hour": 2, "minute": 53}
